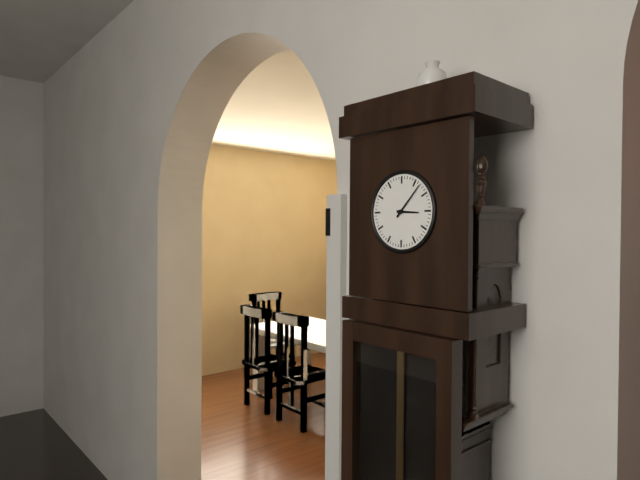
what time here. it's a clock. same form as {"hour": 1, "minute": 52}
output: {"hour": 3, "minute": 7}
